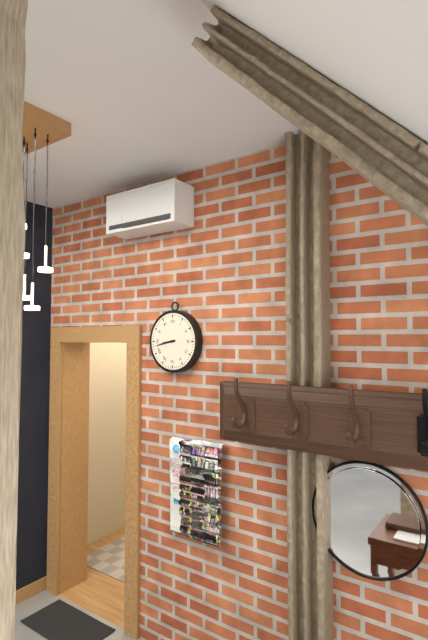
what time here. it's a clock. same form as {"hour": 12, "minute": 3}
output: {"hour": 8, "minute": 43}
